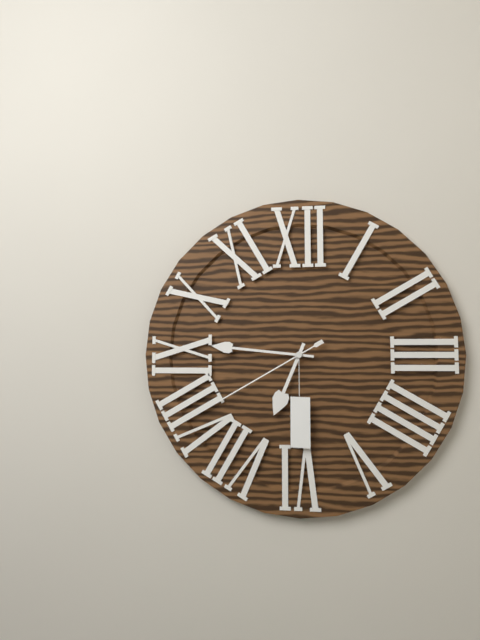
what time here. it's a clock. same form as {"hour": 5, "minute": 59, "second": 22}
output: {"hour": 6, "minute": 46, "second": 40}
